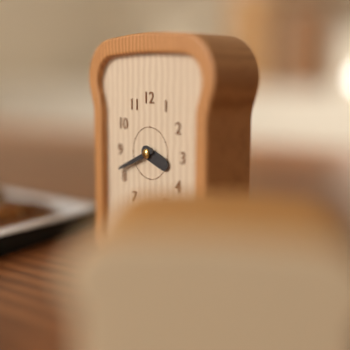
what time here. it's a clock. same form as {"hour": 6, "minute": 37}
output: {"hour": 3, "minute": 41}
